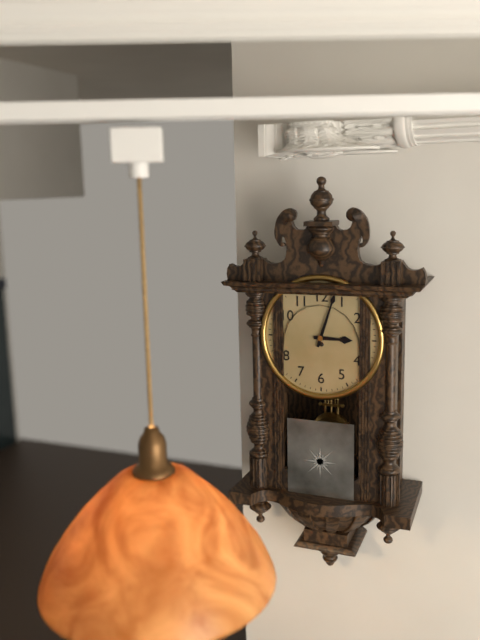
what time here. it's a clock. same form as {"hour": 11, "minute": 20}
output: {"hour": 3, "minute": 3}
